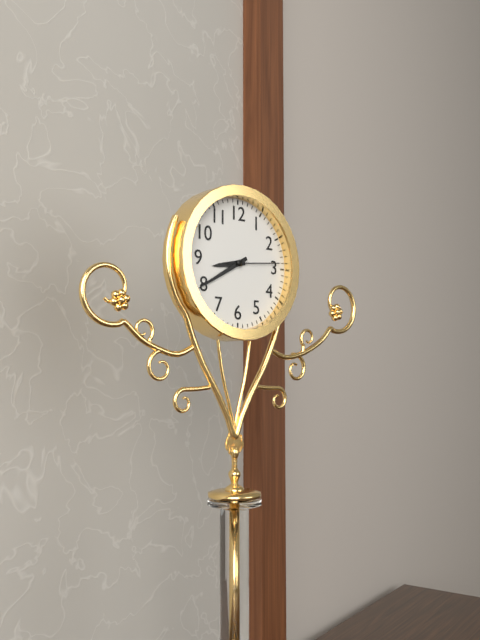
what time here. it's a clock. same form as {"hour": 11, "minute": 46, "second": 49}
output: {"hour": 8, "minute": 40, "second": 14}
